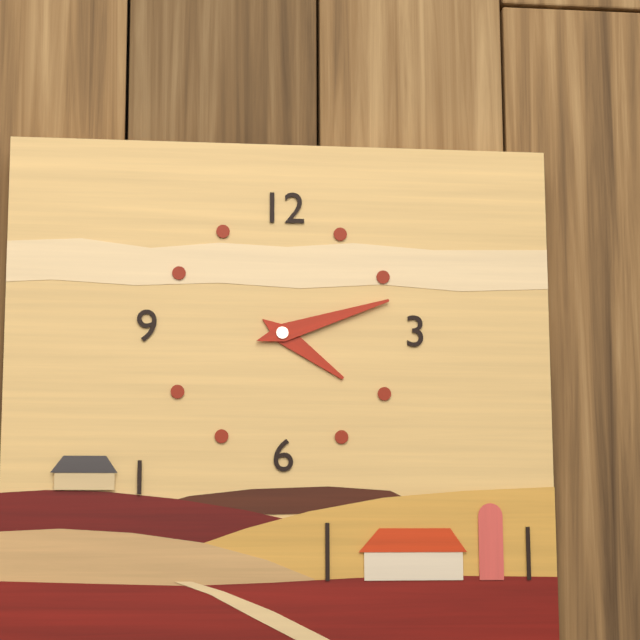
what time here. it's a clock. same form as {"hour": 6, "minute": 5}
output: {"hour": 4, "minute": 12}
